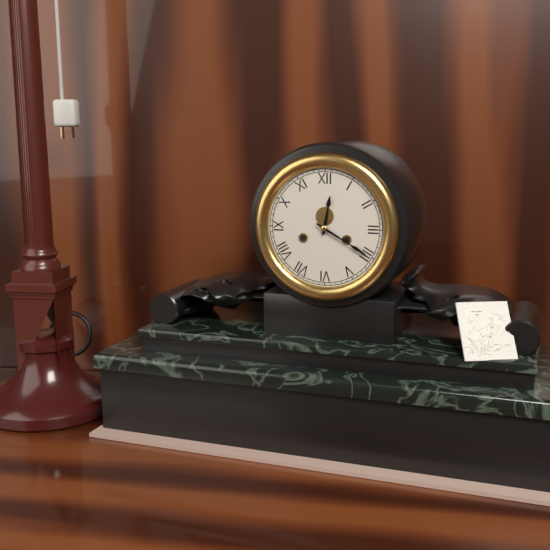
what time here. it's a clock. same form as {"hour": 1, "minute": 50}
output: {"hour": 12, "minute": 20}
